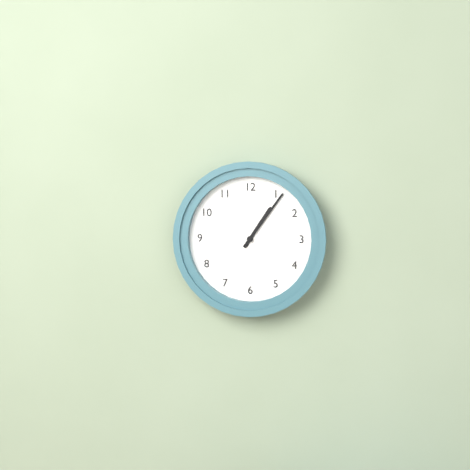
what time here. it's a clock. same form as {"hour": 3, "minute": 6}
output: {"hour": 1, "minute": 6}
